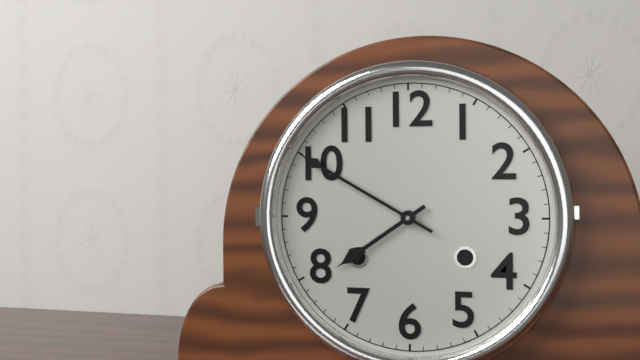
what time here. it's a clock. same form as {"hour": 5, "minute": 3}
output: {"hour": 7, "minute": 50}
